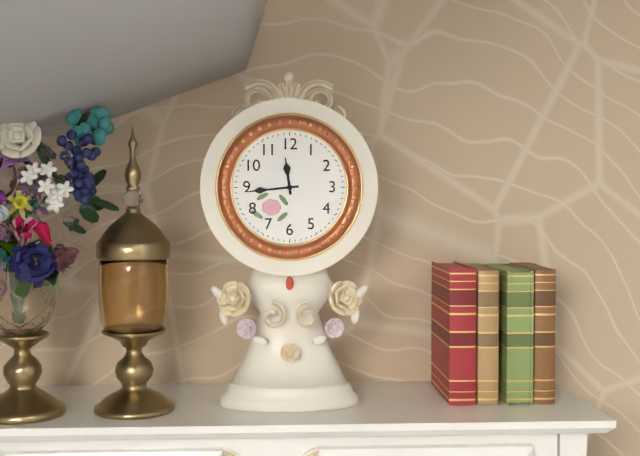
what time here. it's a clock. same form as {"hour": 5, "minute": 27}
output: {"hour": 11, "minute": 44}
